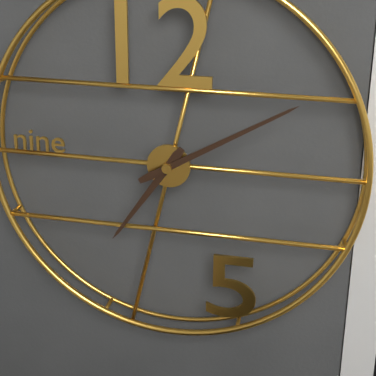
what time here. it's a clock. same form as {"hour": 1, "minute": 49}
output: {"hour": 7, "minute": 10}
